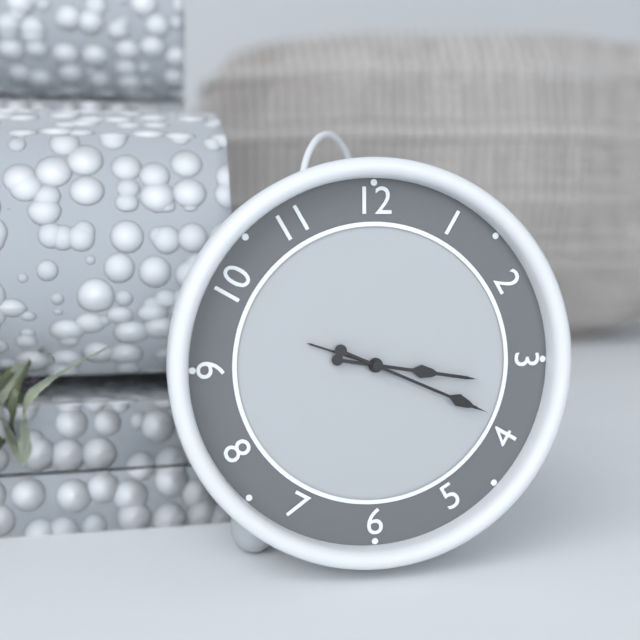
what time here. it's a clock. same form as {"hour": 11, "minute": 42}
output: {"hour": 3, "minute": 19}
